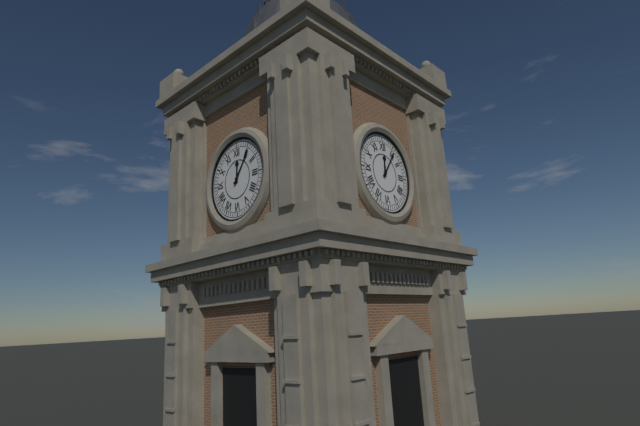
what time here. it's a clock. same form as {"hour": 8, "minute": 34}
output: {"hour": 12, "minute": 6}
